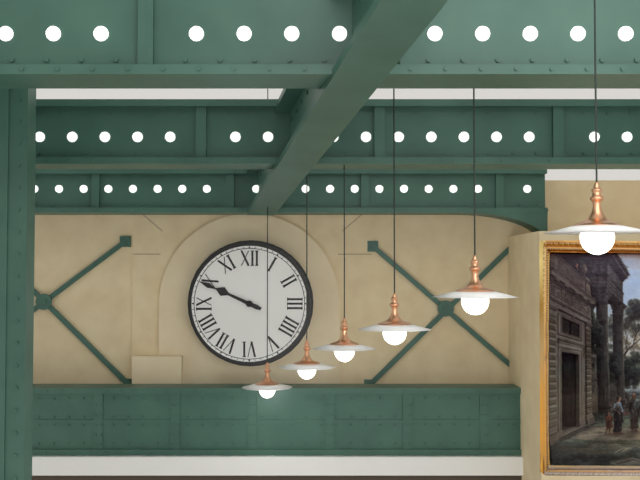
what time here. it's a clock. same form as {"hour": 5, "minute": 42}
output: {"hour": 9, "minute": 49}
